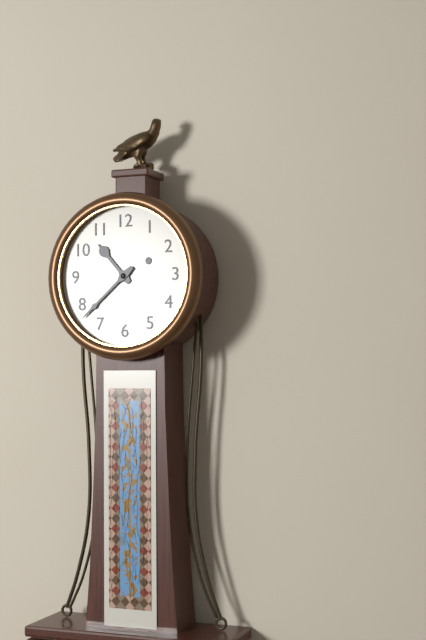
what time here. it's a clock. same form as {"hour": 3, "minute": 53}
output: {"hour": 10, "minute": 38}
